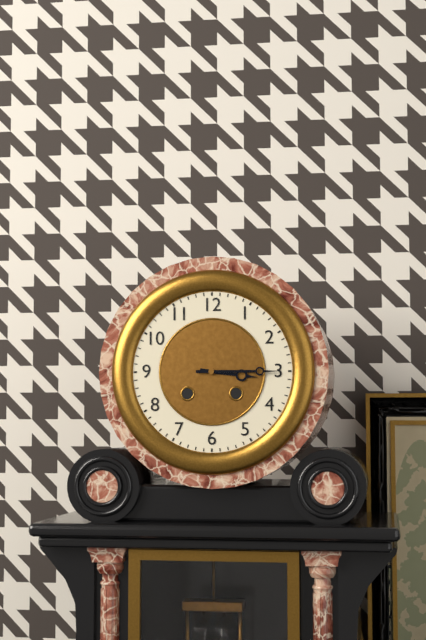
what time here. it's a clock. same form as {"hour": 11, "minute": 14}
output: {"hour": 3, "minute": 15}
